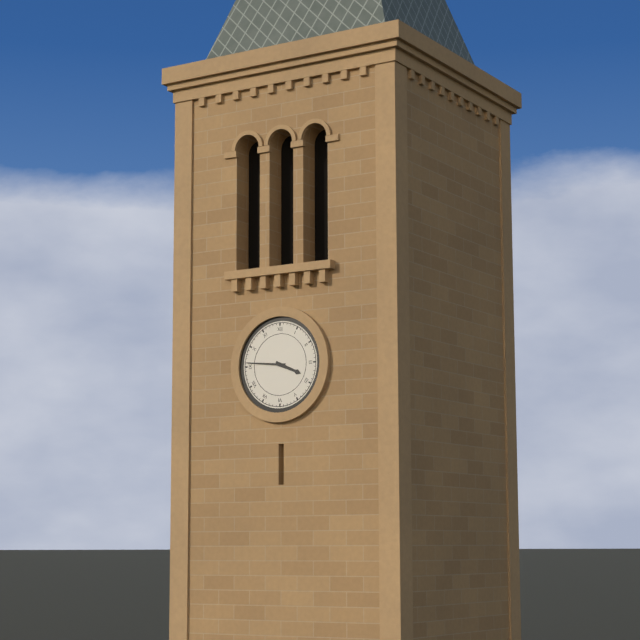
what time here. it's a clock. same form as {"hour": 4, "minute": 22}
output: {"hour": 3, "minute": 46}
